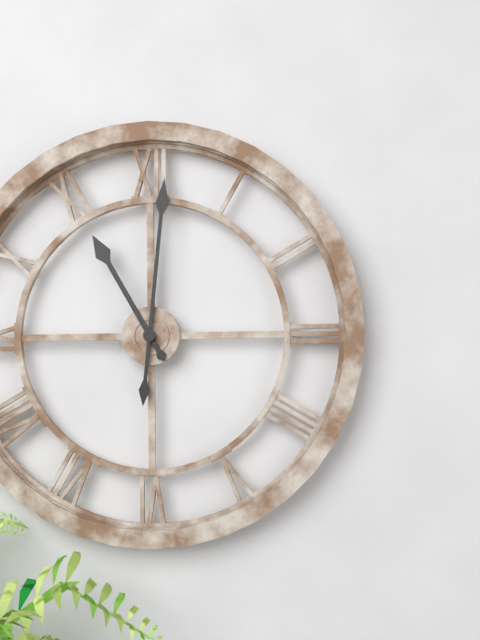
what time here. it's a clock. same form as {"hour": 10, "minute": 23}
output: {"hour": 11, "minute": 1}
